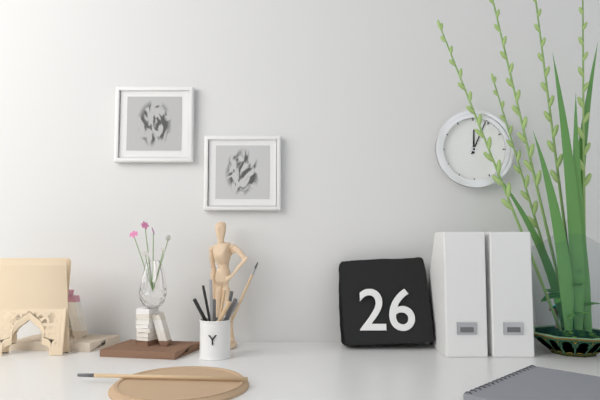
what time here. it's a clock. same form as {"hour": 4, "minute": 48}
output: {"hour": 12, "minute": 4}
